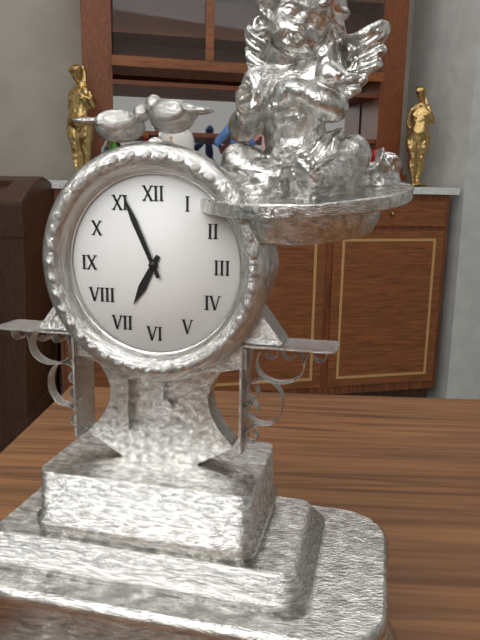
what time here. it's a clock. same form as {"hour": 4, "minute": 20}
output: {"hour": 6, "minute": 56}
